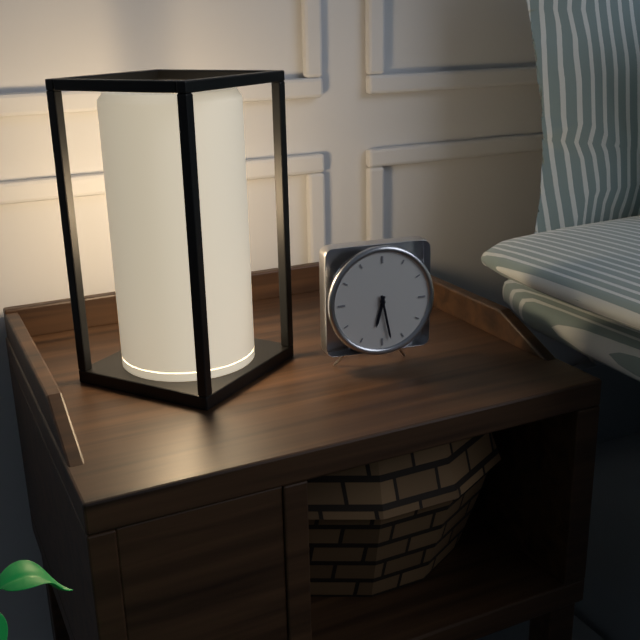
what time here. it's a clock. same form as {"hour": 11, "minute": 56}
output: {"hour": 6, "minute": 28}
